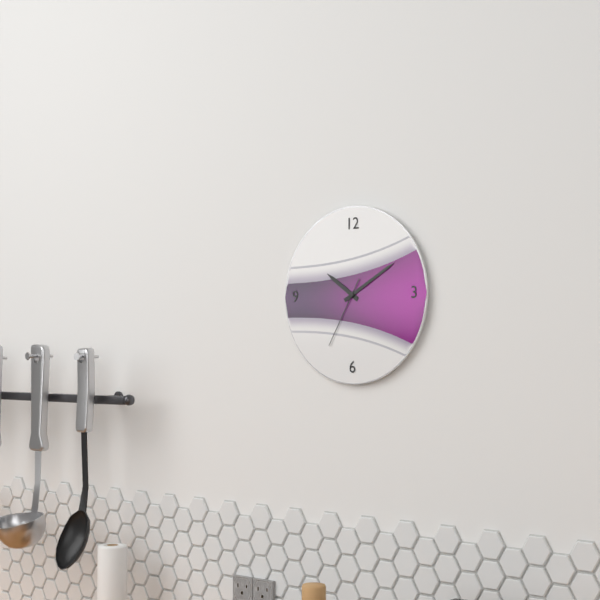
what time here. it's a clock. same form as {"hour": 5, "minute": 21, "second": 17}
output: {"hour": 10, "minute": 10, "second": 35}
